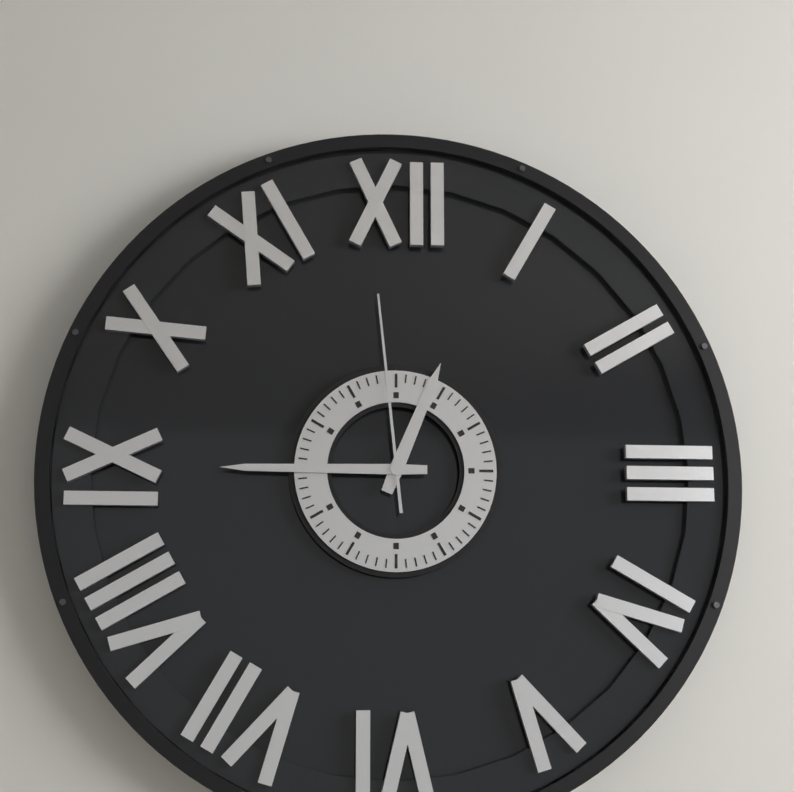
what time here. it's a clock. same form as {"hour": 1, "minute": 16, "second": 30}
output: {"hour": 12, "minute": 45, "second": 59}
